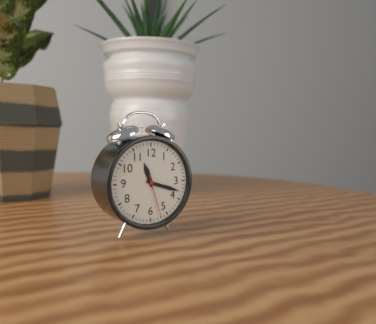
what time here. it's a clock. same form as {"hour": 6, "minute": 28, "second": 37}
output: {"hour": 11, "minute": 18, "second": 27}
